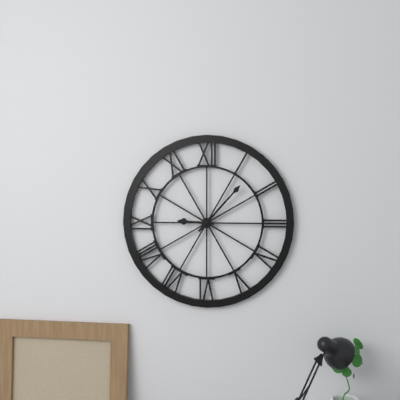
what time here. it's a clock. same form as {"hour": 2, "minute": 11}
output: {"hour": 9, "minute": 7}
